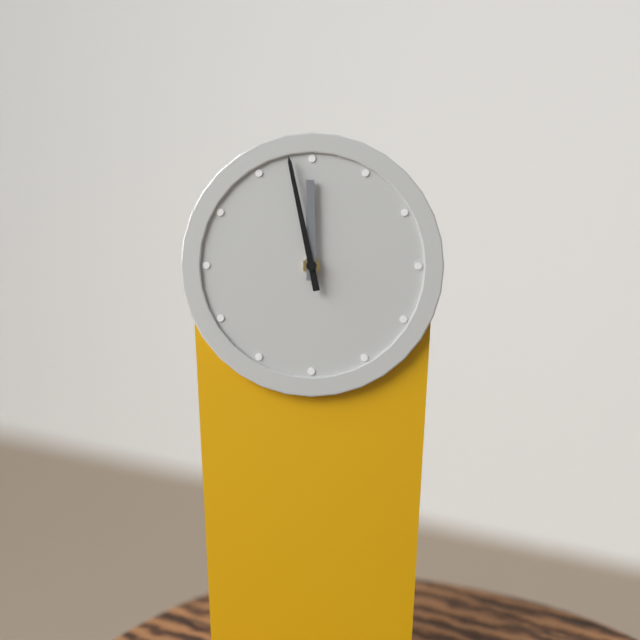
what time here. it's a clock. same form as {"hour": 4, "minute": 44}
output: {"hour": 11, "minute": 58}
